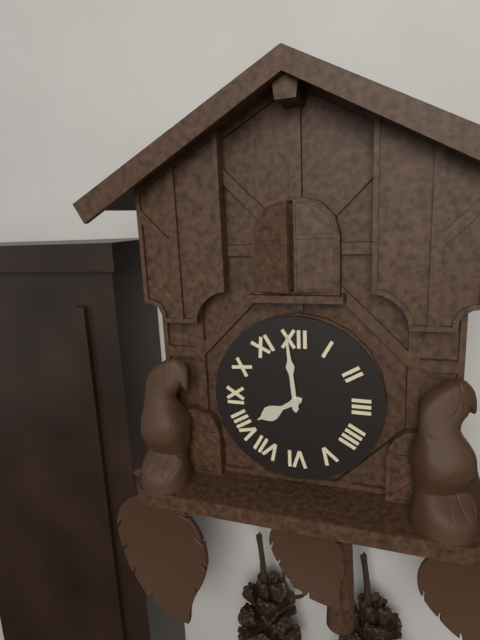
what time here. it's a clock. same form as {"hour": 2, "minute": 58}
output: {"hour": 7, "minute": 59}
